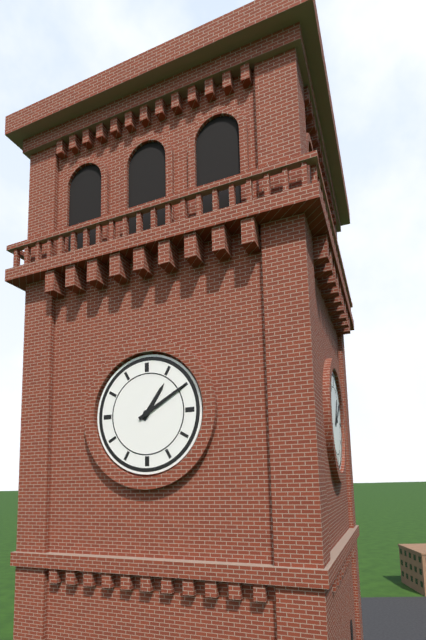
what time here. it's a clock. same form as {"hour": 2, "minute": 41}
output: {"hour": 1, "minute": 10}
